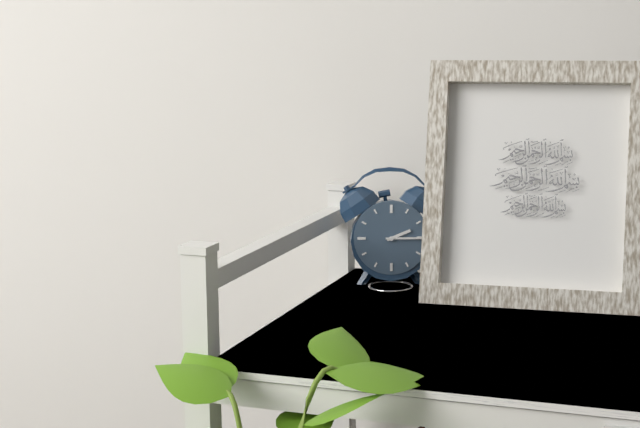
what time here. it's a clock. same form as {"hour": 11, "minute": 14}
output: {"hour": 2, "minute": 15}
